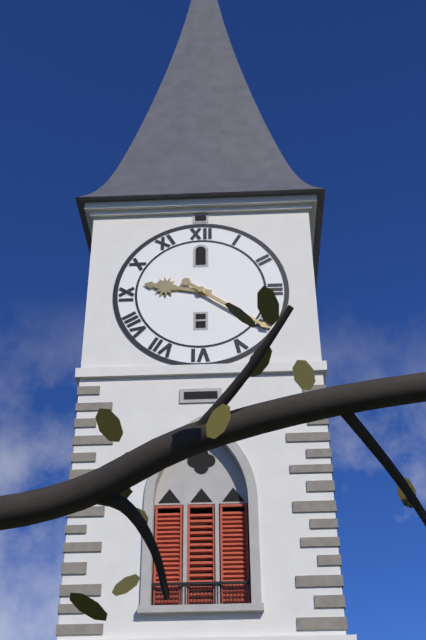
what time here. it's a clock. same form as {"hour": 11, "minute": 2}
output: {"hour": 9, "minute": 21}
